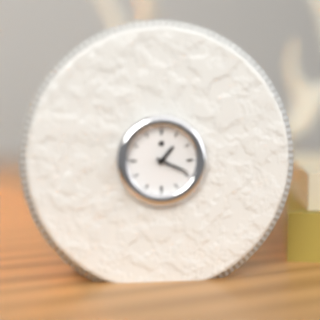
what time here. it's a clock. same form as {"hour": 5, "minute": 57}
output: {"hour": 1, "minute": 19}
